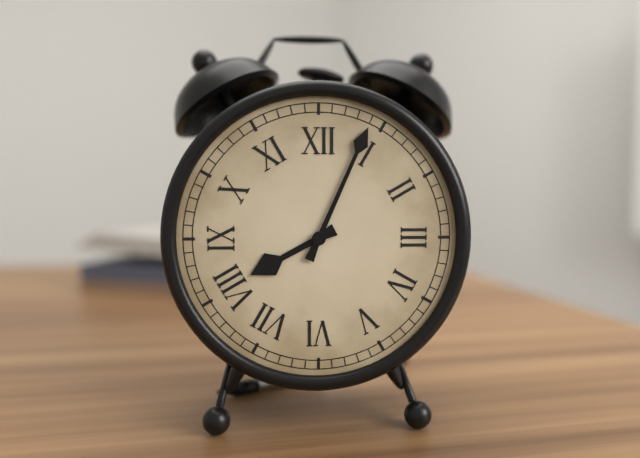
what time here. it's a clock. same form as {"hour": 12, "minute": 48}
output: {"hour": 8, "minute": 4}
